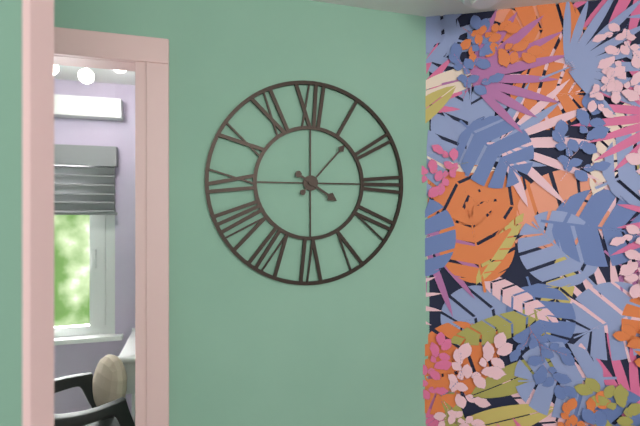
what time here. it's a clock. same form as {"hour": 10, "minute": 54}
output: {"hour": 4, "minute": 7}
